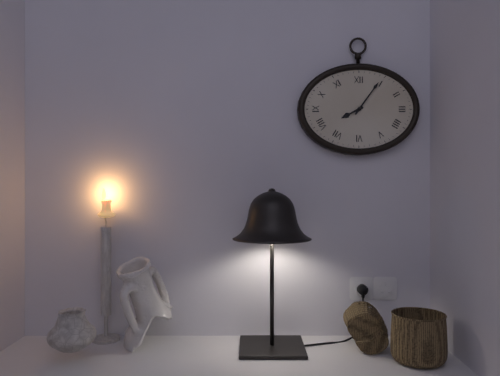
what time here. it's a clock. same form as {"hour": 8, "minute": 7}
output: {"hour": 8, "minute": 6}
